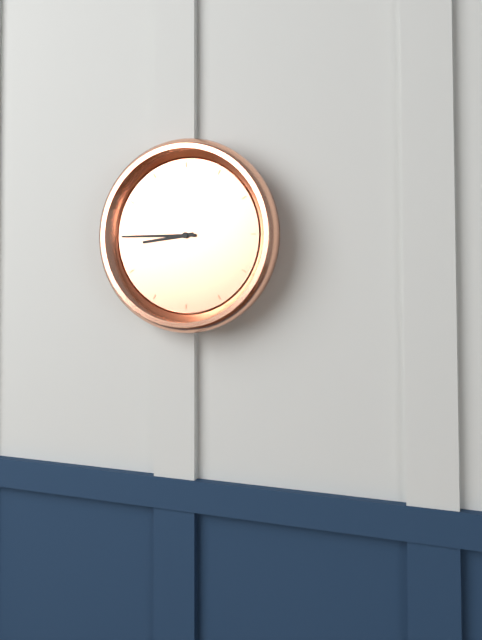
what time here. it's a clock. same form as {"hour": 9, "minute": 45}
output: {"hour": 8, "minute": 45}
